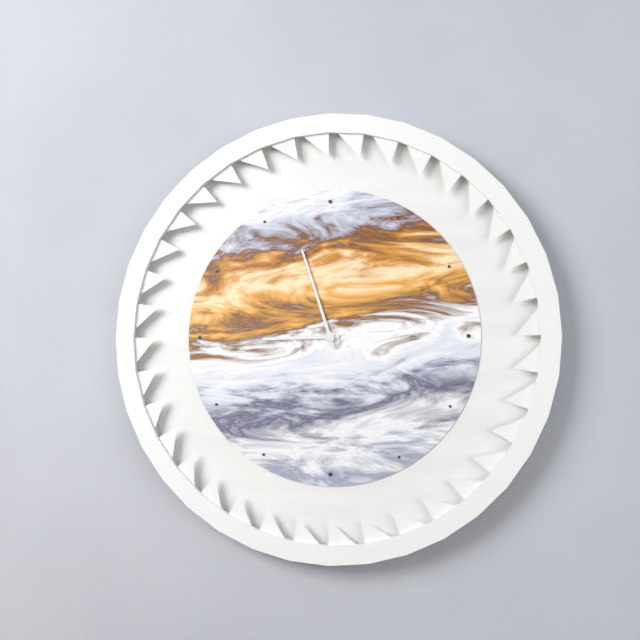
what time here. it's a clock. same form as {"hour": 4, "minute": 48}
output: {"hour": 8, "minute": 57}
